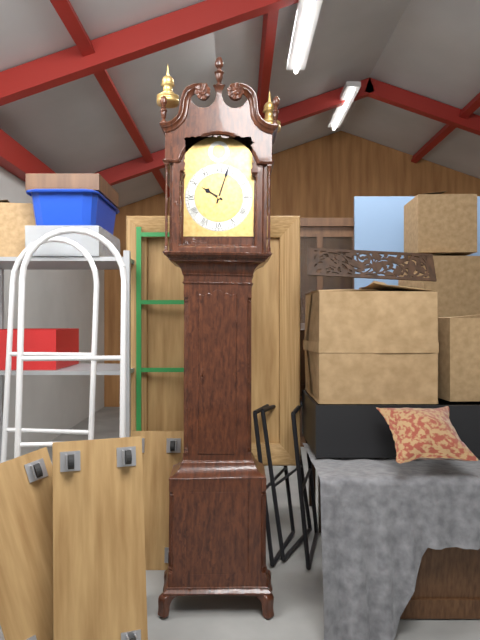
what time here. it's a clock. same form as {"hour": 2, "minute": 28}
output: {"hour": 10, "minute": 3}
